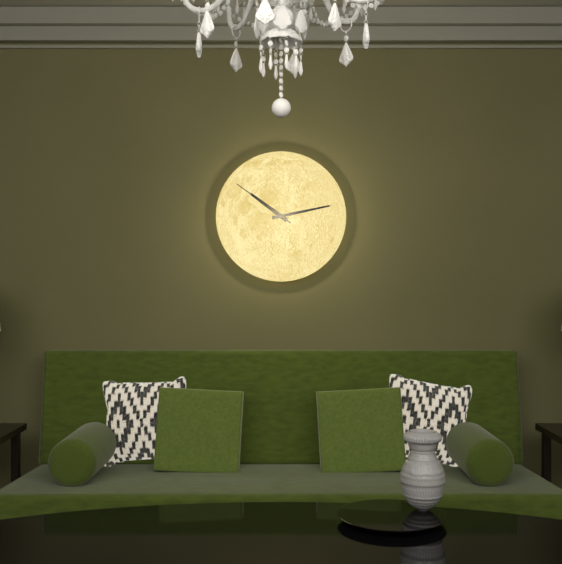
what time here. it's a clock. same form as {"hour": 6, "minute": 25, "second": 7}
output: {"hour": 10, "minute": 13, "second": 51}
